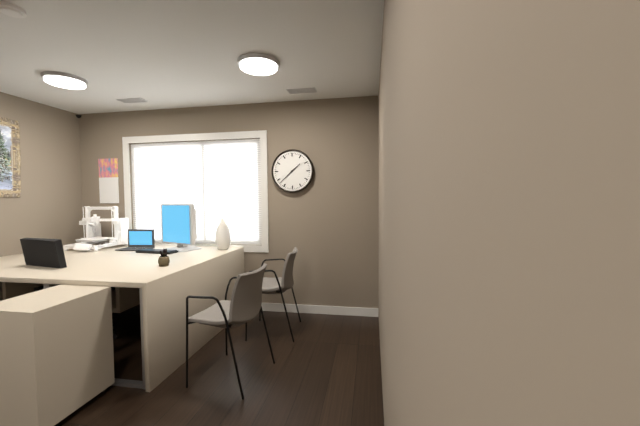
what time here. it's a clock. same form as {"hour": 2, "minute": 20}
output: {"hour": 1, "minute": 38}
